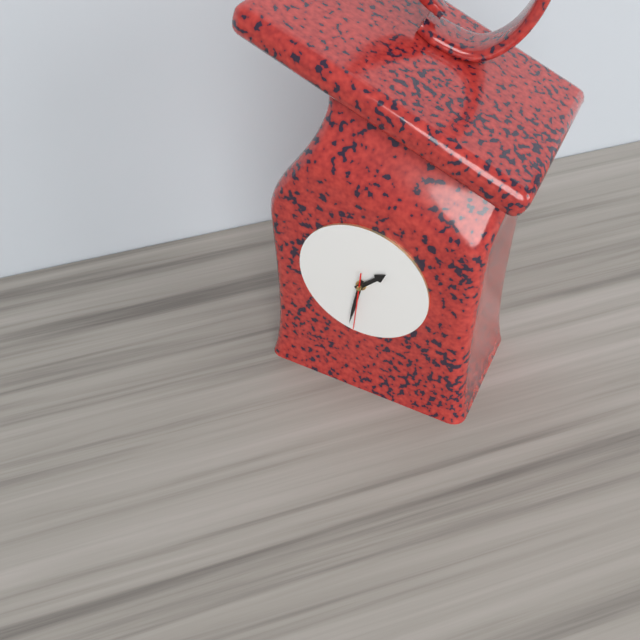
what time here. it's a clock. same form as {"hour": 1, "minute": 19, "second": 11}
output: {"hour": 1, "minute": 32, "second": 31}
